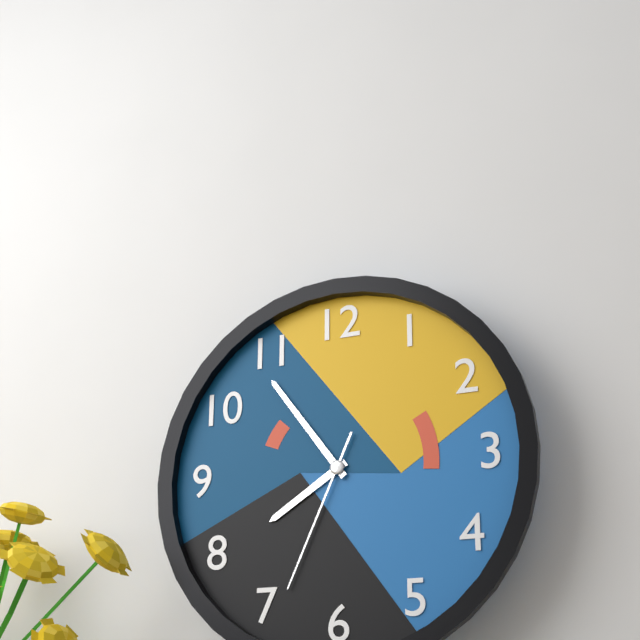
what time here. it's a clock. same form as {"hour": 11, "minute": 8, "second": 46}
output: {"hour": 7, "minute": 54, "second": 34}
